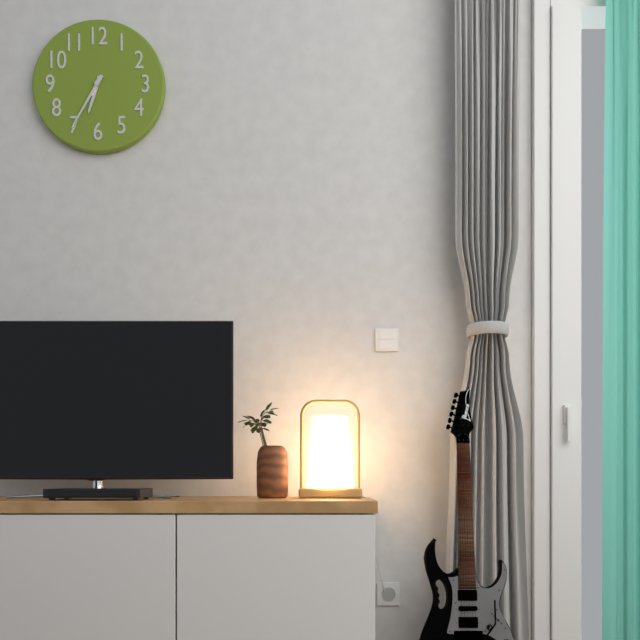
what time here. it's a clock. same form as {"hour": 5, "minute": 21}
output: {"hour": 6, "minute": 35}
